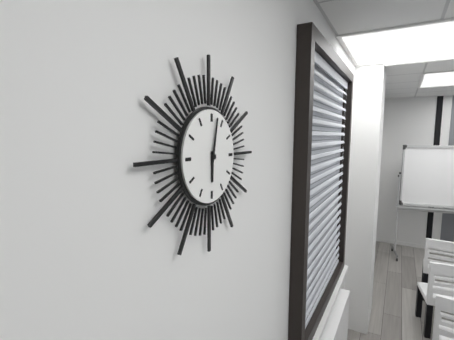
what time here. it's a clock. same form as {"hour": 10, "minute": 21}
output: {"hour": 6, "minute": 2}
